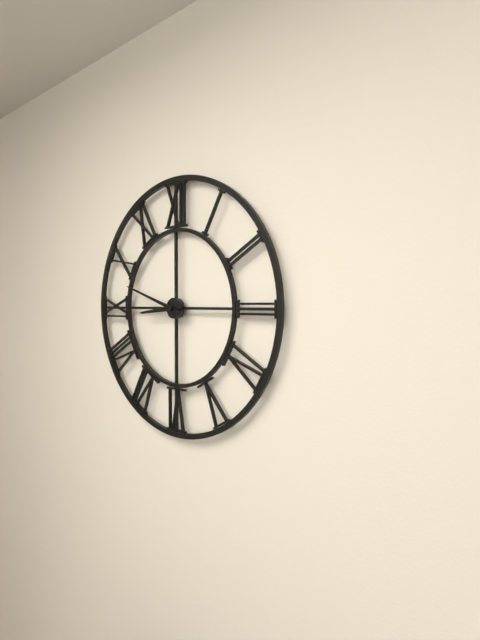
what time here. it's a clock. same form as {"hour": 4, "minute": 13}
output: {"hour": 8, "minute": 48}
